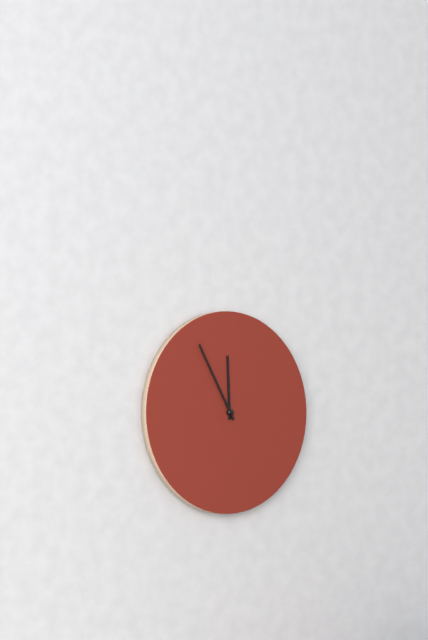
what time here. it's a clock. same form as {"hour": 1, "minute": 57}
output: {"hour": 11, "minute": 55}
